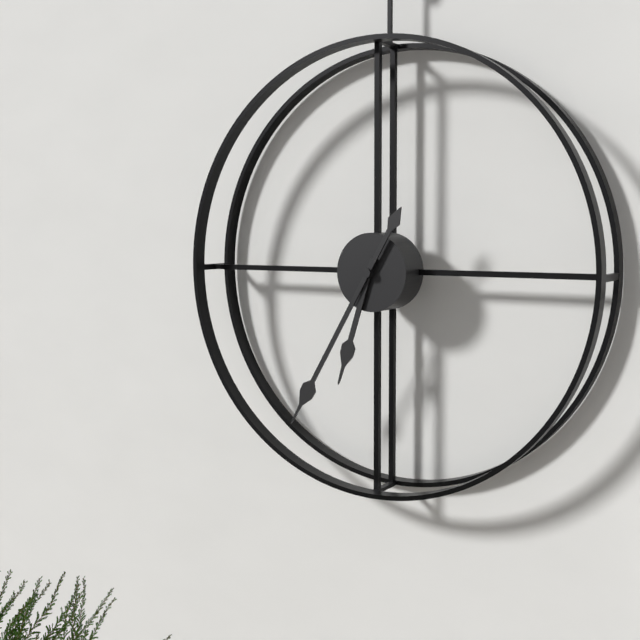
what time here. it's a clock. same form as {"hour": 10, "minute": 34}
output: {"hour": 6, "minute": 35}
